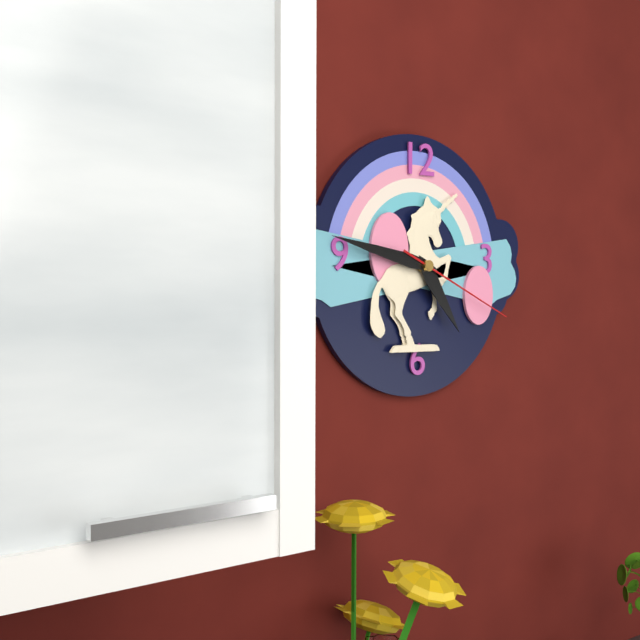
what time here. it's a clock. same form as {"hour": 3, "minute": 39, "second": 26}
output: {"hour": 4, "minute": 47, "second": 19}
